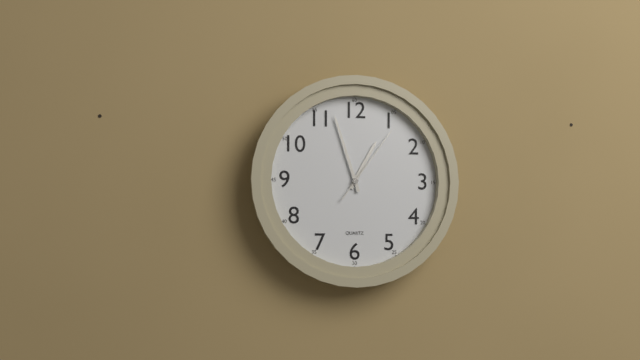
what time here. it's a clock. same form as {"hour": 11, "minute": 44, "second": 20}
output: {"hour": 12, "minute": 57, "second": 6}
